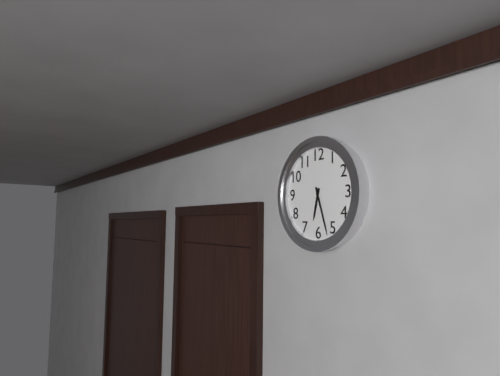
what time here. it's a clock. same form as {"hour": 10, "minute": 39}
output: {"hour": 6, "minute": 27}
